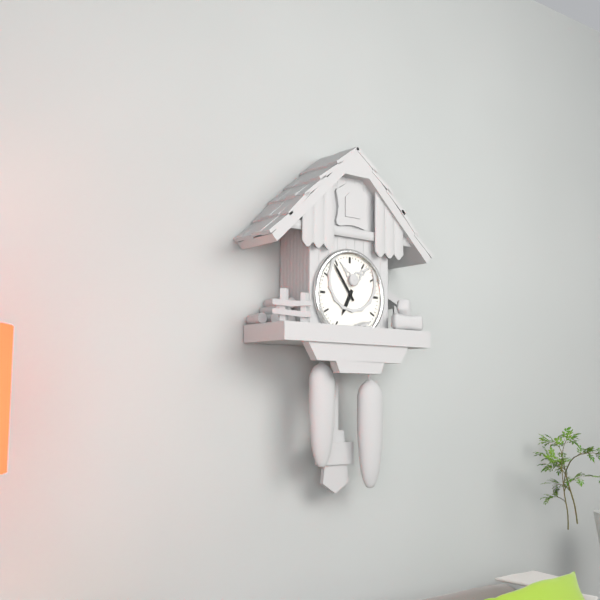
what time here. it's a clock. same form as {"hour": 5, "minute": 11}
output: {"hour": 6, "minute": 54}
